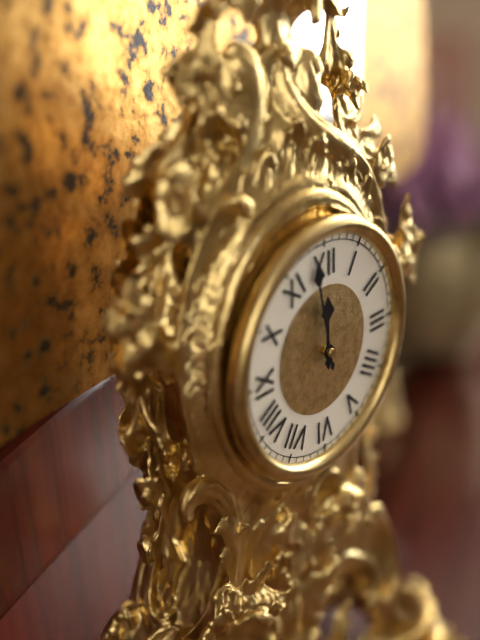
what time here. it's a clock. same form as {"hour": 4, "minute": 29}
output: {"hour": 11, "minute": 58}
